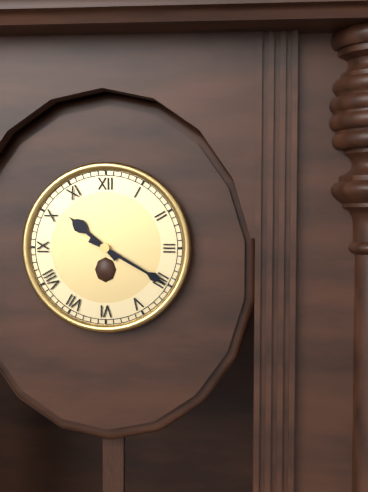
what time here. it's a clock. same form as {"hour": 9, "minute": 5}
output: {"hour": 10, "minute": 20}
